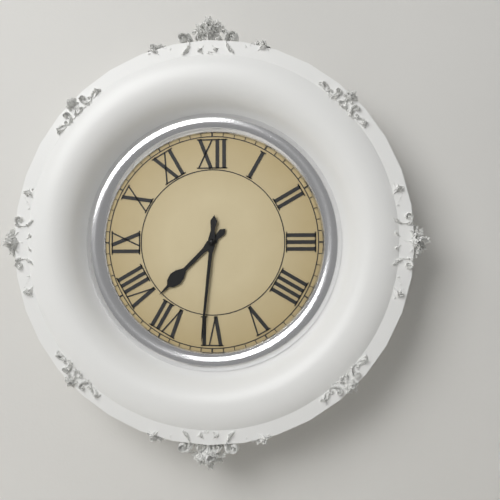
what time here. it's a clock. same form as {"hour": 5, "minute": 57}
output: {"hour": 7, "minute": 31}
